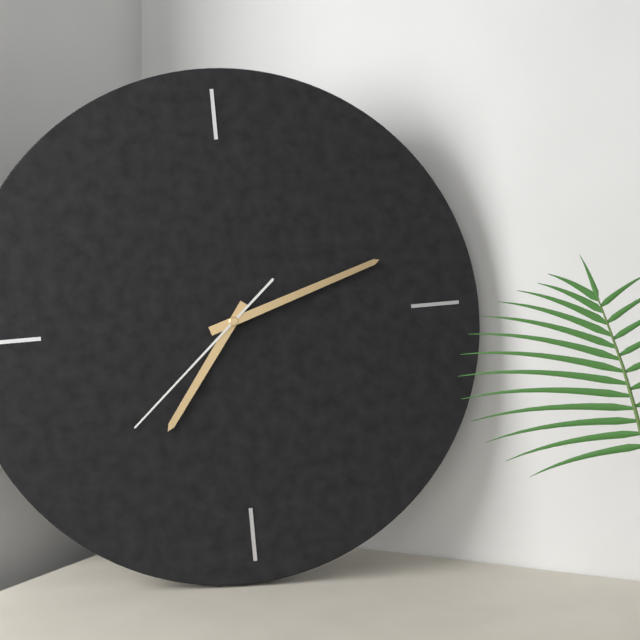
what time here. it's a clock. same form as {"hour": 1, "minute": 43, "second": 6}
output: {"hour": 7, "minute": 12, "second": 38}
